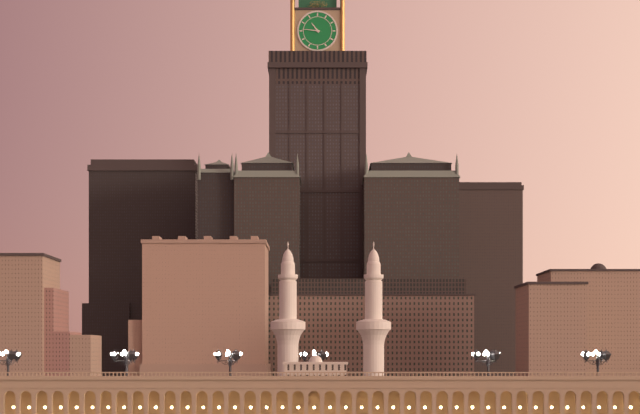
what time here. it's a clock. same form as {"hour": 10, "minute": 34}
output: {"hour": 10, "minute": 46}
